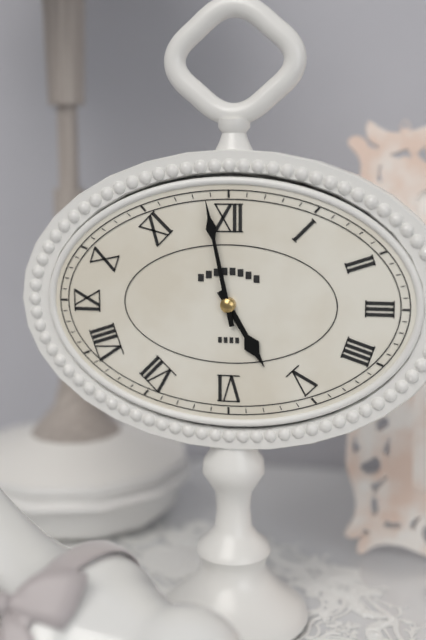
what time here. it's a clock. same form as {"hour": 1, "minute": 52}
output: {"hour": 4, "minute": 58}
